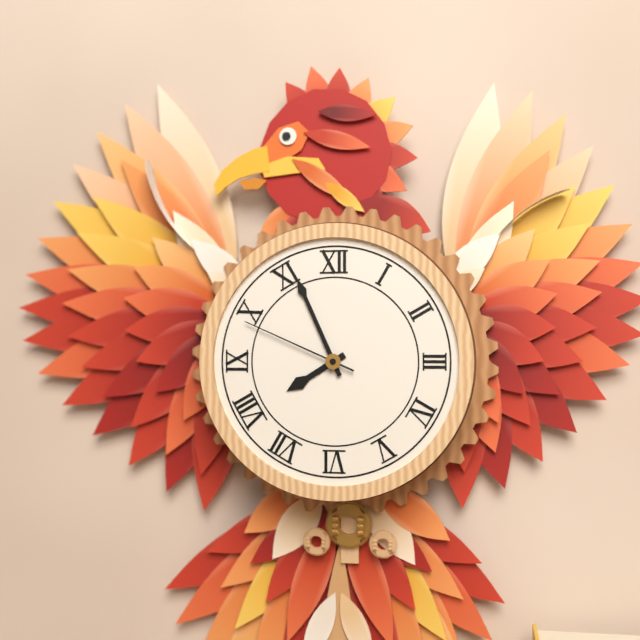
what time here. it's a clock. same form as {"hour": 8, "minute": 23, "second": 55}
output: {"hour": 7, "minute": 56, "second": 49}
